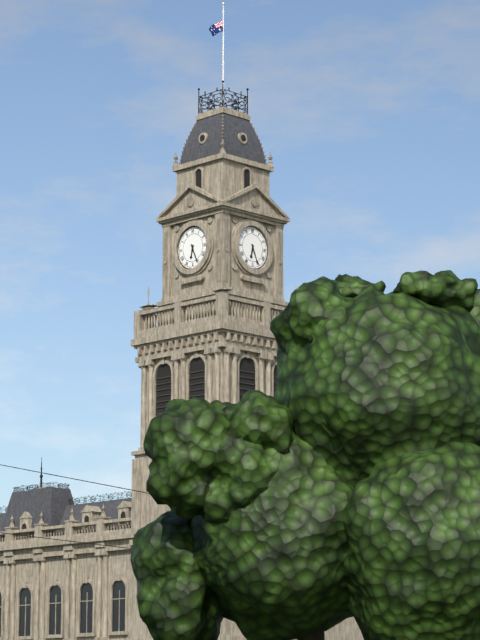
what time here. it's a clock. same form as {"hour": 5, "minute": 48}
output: {"hour": 6, "minute": 26}
